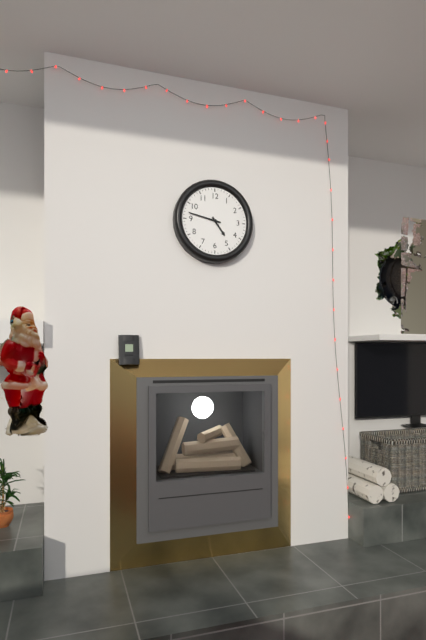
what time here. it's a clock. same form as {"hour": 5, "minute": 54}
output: {"hour": 4, "minute": 47}
